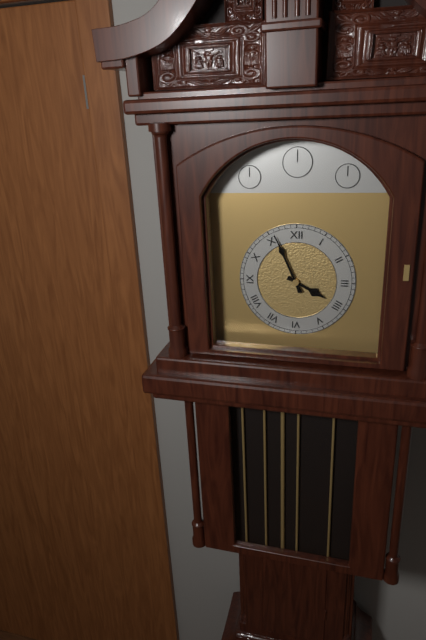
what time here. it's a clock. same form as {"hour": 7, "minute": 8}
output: {"hour": 3, "minute": 56}
